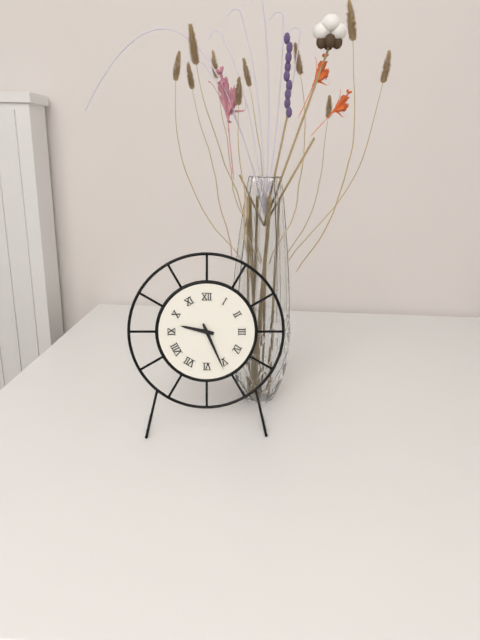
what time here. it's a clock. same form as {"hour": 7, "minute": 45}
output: {"hour": 9, "minute": 26}
